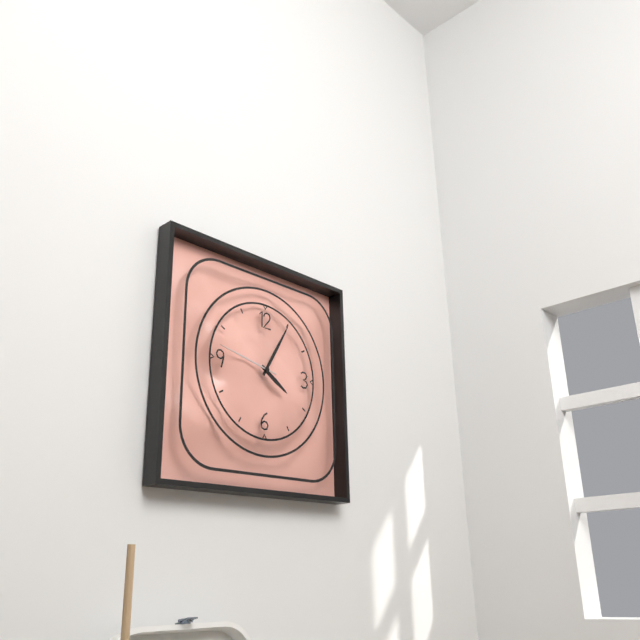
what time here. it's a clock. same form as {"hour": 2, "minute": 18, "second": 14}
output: {"hour": 4, "minute": 5, "second": 47}
